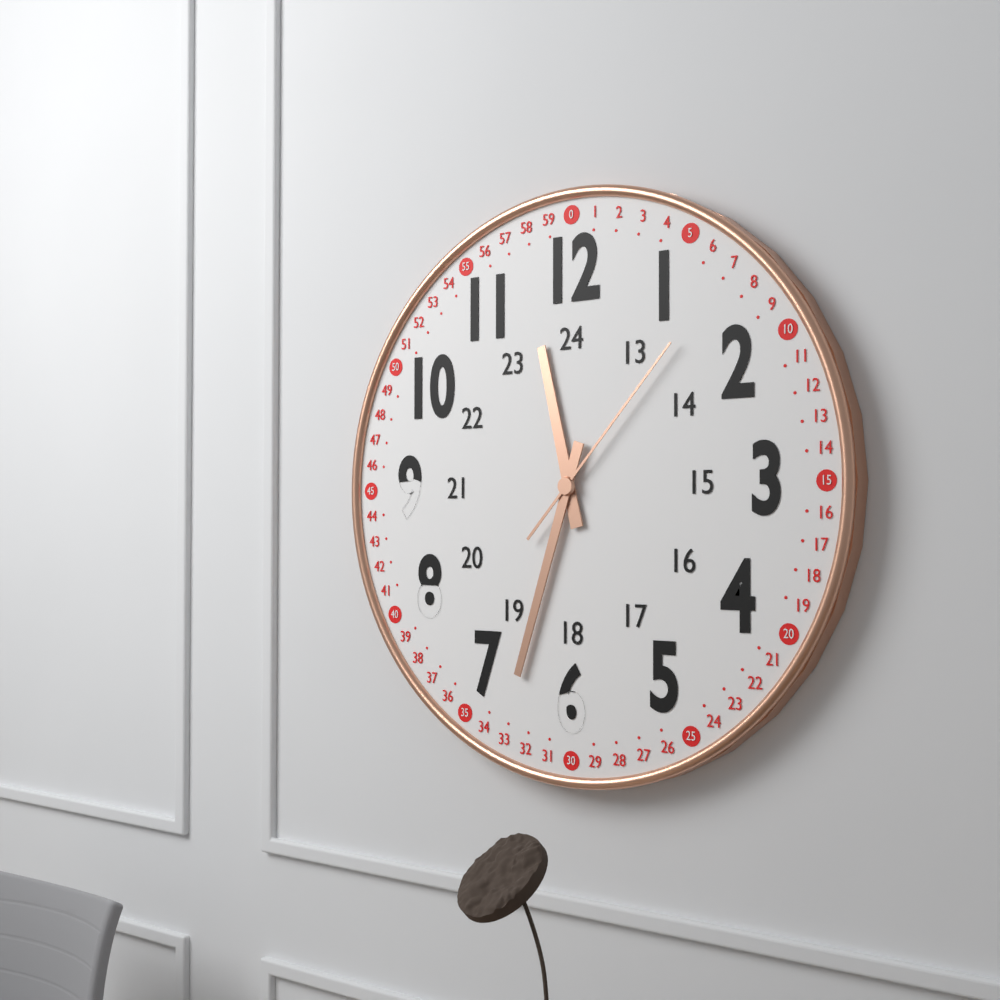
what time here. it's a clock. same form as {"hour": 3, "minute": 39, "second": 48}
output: {"hour": 11, "minute": 33, "second": 7}
